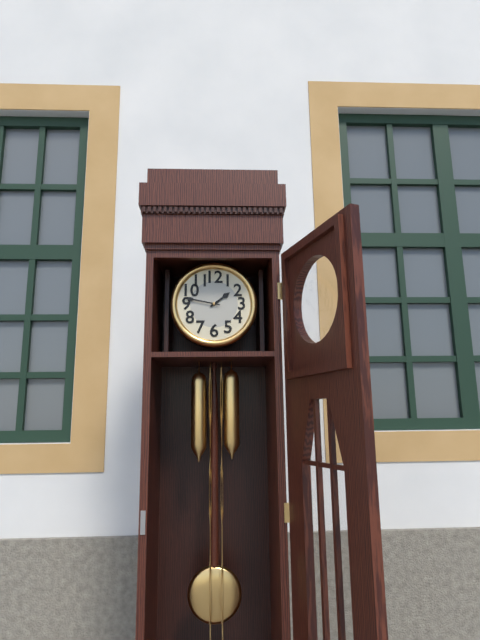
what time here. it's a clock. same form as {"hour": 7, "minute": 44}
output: {"hour": 1, "minute": 47}
